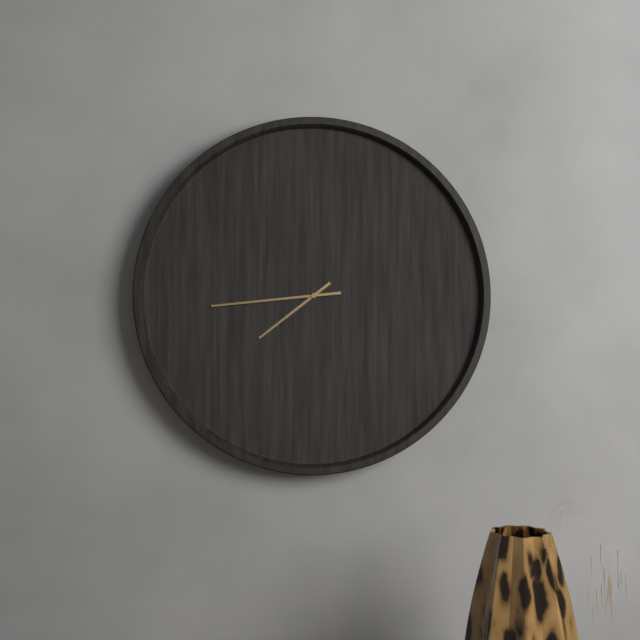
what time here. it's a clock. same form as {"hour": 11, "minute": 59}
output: {"hour": 7, "minute": 44}
